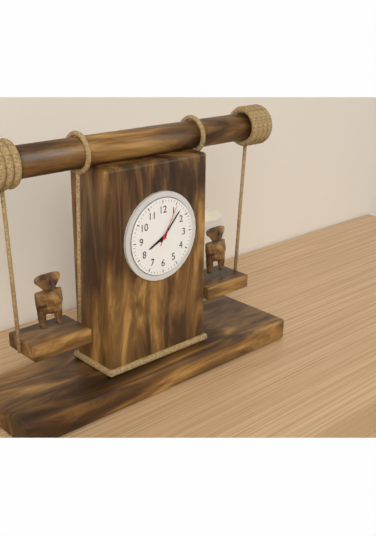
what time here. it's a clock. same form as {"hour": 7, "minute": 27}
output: {"hour": 8, "minute": 7}
